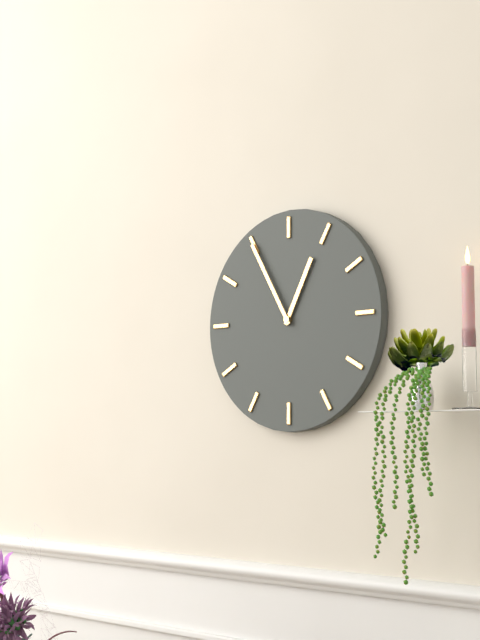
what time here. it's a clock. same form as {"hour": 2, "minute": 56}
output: {"hour": 12, "minute": 55}
